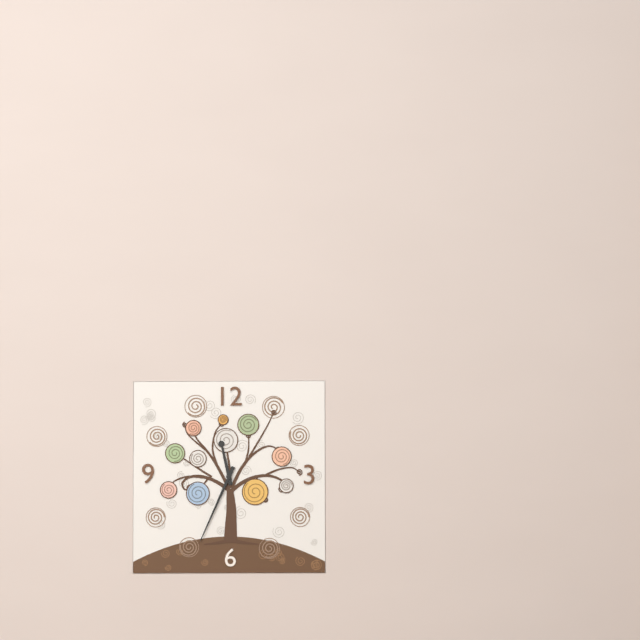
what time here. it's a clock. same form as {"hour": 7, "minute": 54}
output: {"hour": 11, "minute": 34}
